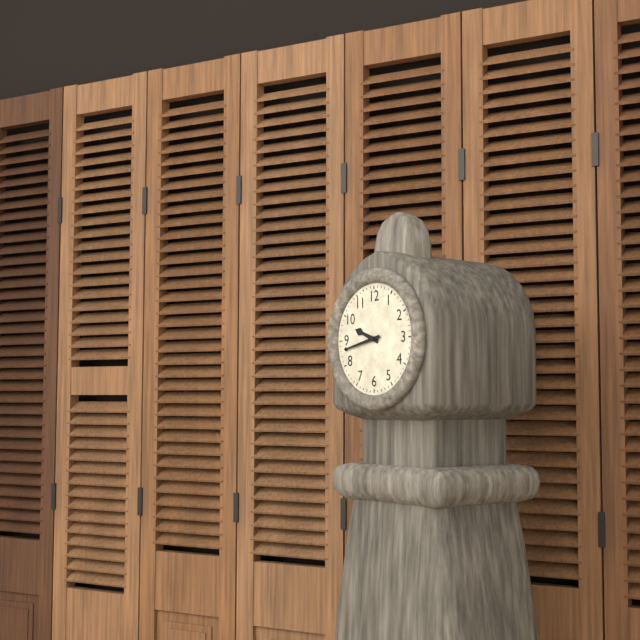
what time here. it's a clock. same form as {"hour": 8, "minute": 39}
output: {"hour": 9, "minute": 43}
